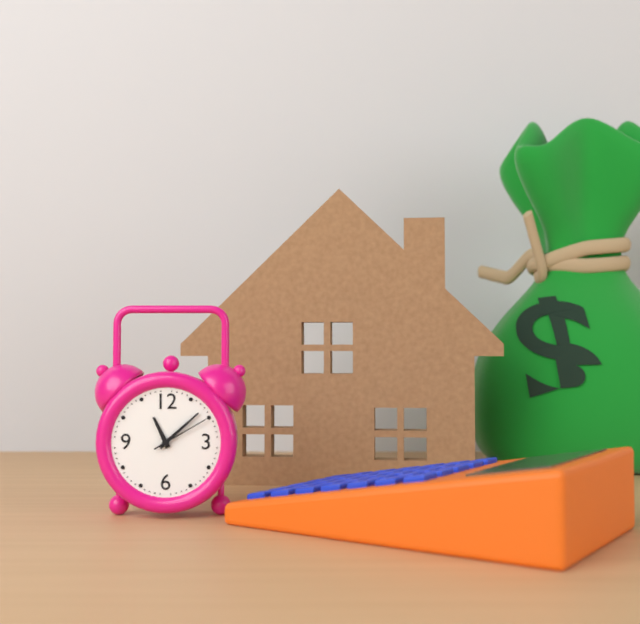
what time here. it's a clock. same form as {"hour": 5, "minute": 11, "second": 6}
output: {"hour": 11, "minute": 8, "second": 10}
